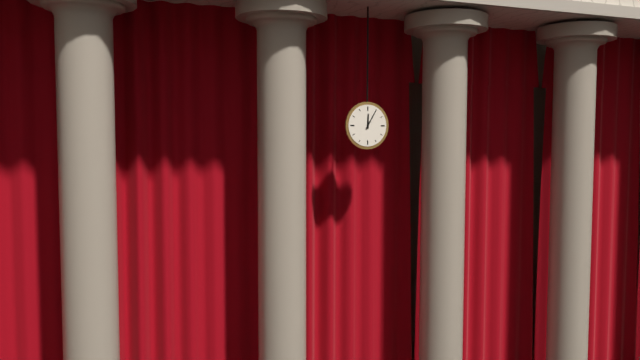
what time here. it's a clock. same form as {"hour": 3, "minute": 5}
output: {"hour": 12, "minute": 5}
